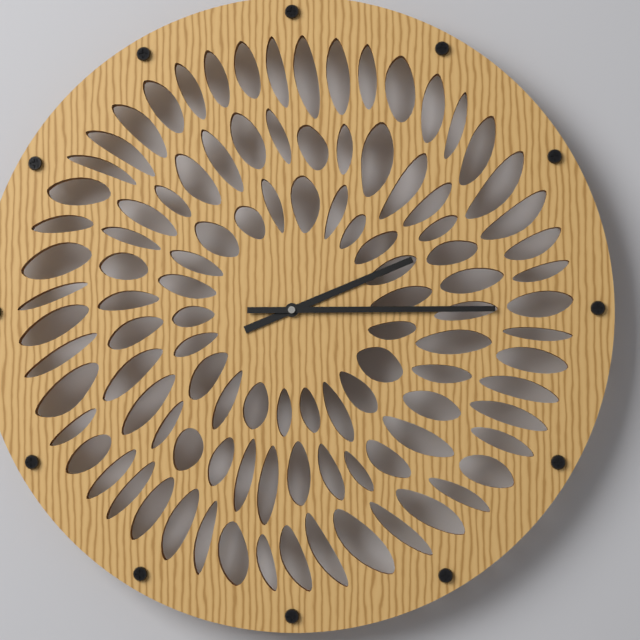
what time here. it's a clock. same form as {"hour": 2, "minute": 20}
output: {"hour": 2, "minute": 15}
